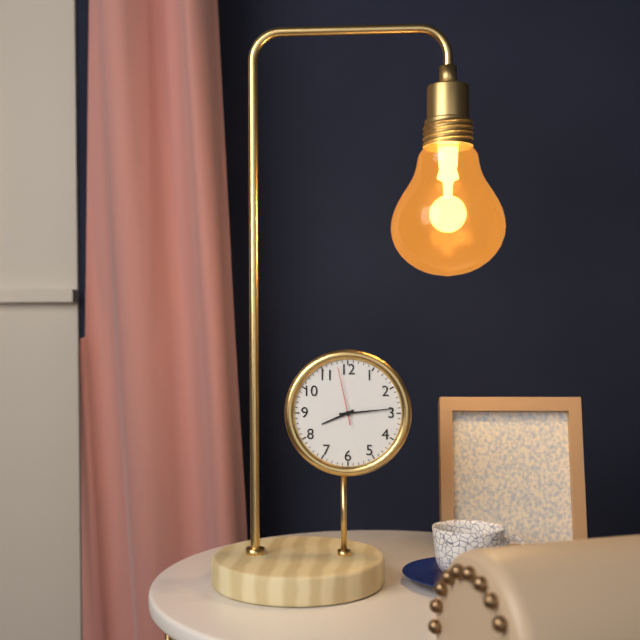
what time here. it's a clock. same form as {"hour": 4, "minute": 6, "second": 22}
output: {"hour": 8, "minute": 14, "second": 58}
